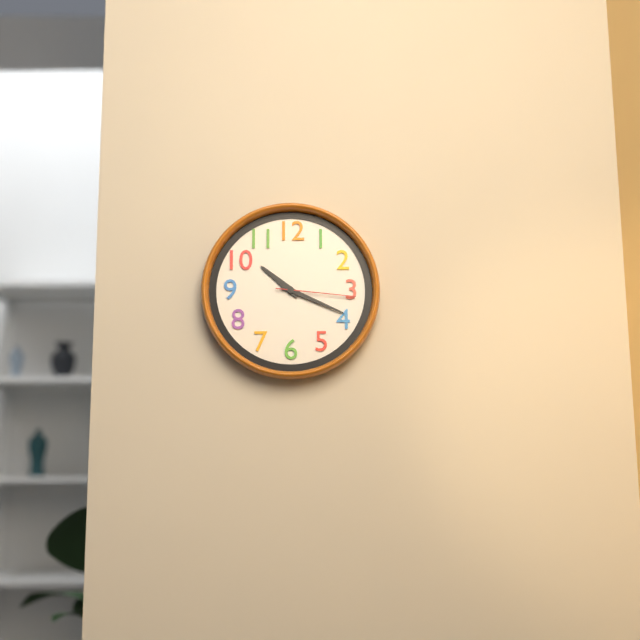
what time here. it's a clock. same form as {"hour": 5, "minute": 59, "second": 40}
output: {"hour": 10, "minute": 19, "second": 16}
